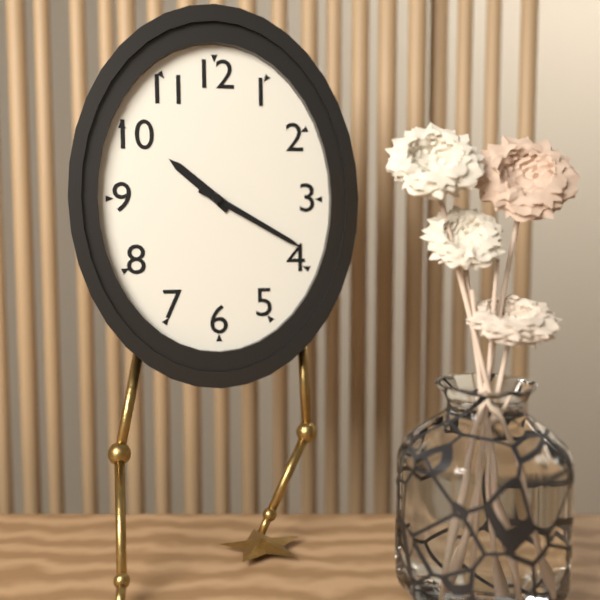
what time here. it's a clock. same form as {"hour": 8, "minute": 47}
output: {"hour": 10, "minute": 20}
